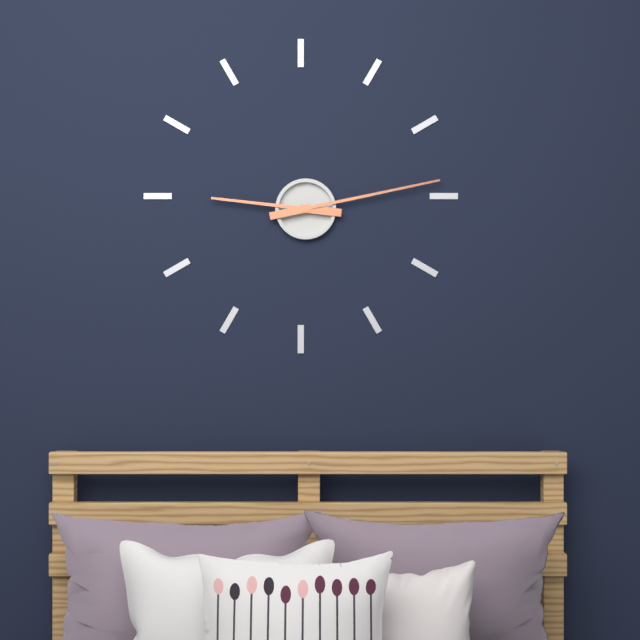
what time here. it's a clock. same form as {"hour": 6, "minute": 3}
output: {"hour": 9, "minute": 13}
